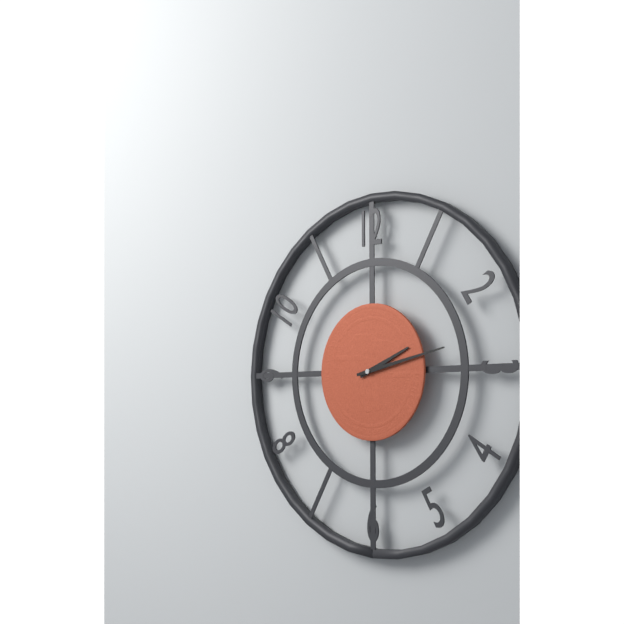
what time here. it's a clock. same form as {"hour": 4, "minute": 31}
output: {"hour": 2, "minute": 13}
